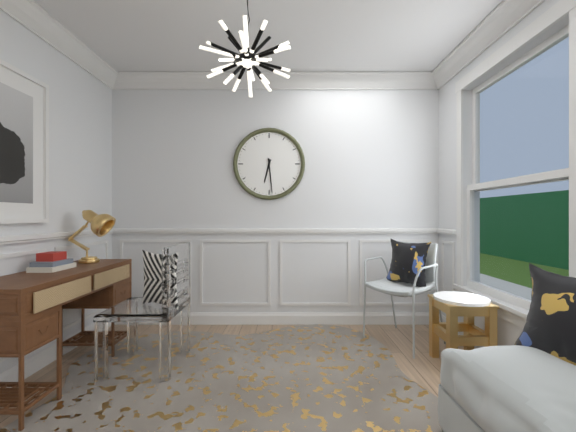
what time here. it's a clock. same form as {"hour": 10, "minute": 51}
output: {"hour": 6, "minute": 29}
